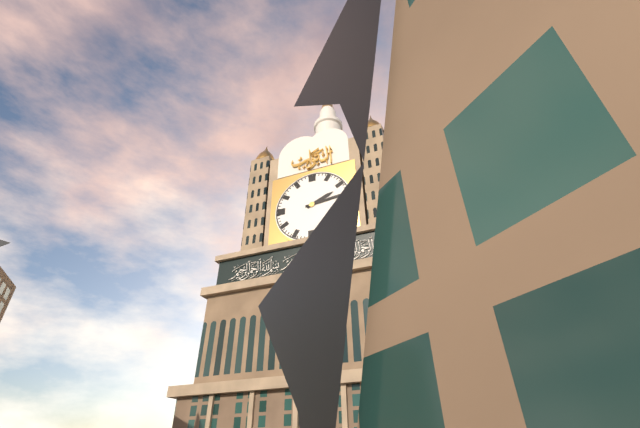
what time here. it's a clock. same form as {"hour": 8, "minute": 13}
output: {"hour": 2, "minute": 14}
